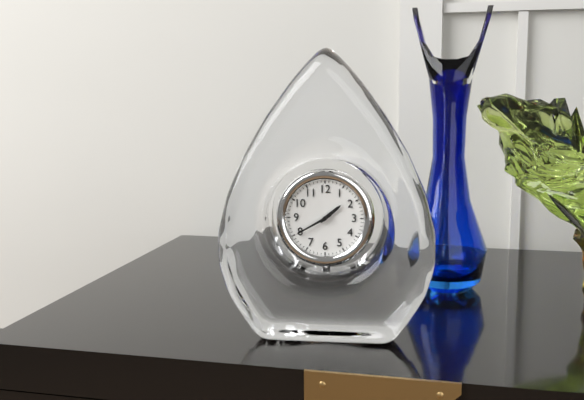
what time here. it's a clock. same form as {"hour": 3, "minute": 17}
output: {"hour": 1, "minute": 40}
